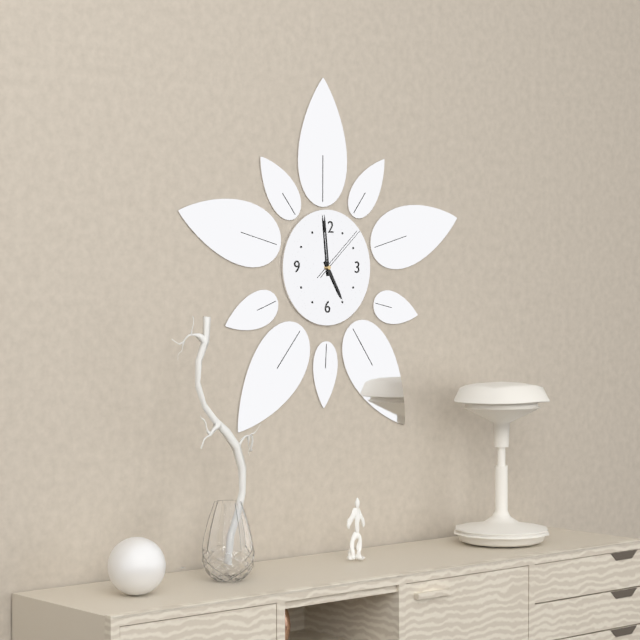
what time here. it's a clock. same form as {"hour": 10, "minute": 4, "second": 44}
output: {"hour": 4, "minute": 59, "second": 8}
